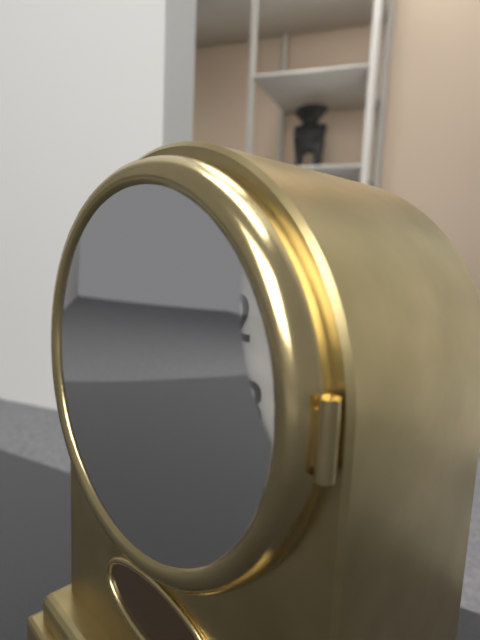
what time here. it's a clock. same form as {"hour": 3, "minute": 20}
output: {"hour": 11, "minute": 24}
